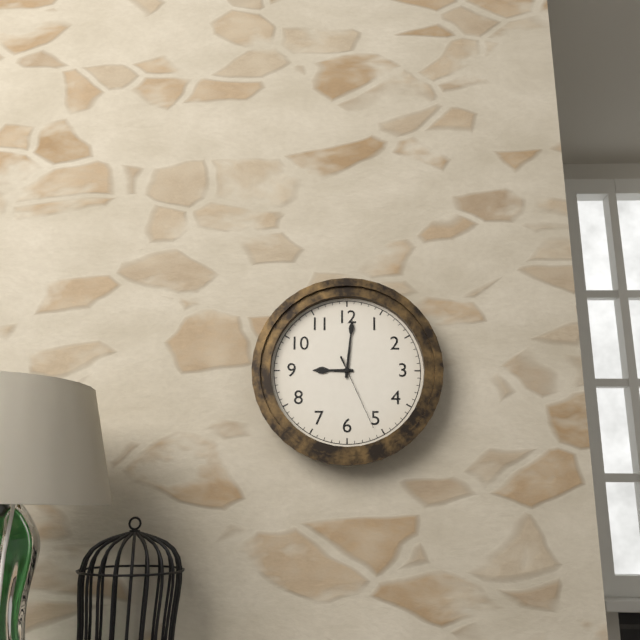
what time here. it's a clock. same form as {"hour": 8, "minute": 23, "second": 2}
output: {"hour": 9, "minute": 1, "second": 26}
